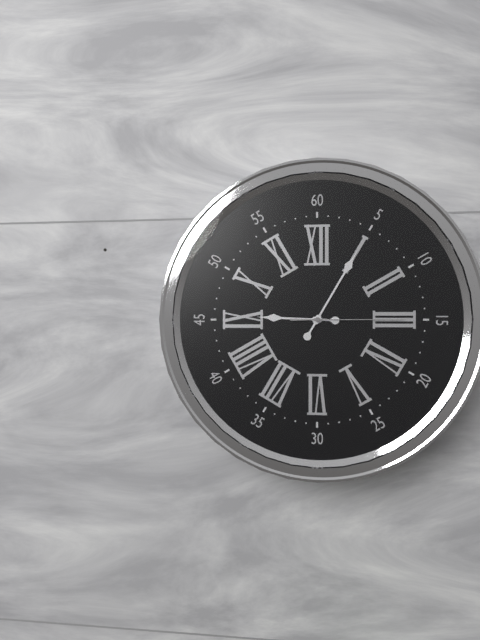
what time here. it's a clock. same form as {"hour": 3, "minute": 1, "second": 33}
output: {"hour": 9, "minute": 5, "second": 15}
